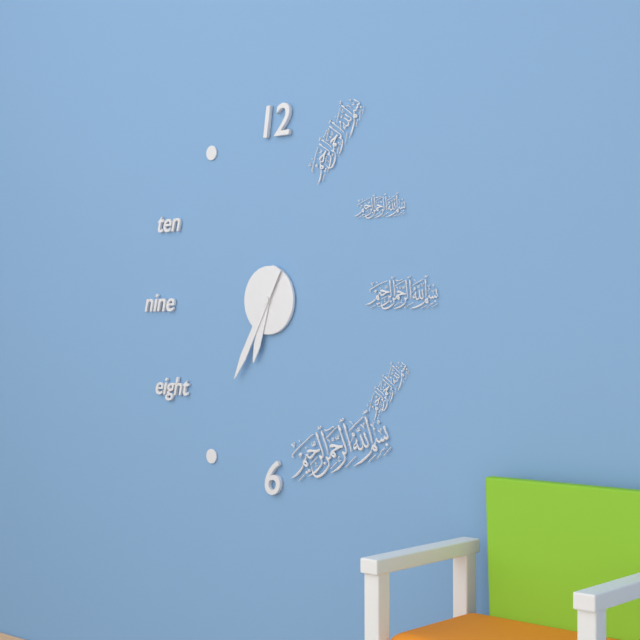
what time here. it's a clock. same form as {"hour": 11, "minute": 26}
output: {"hour": 6, "minute": 35}
